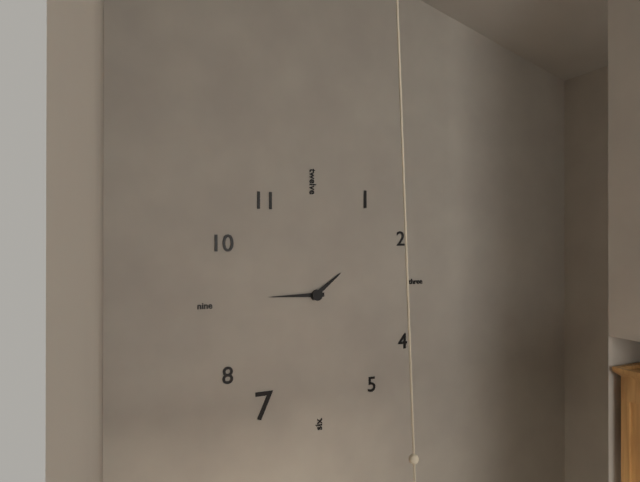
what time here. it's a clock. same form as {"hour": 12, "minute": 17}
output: {"hour": 1, "minute": 45}
